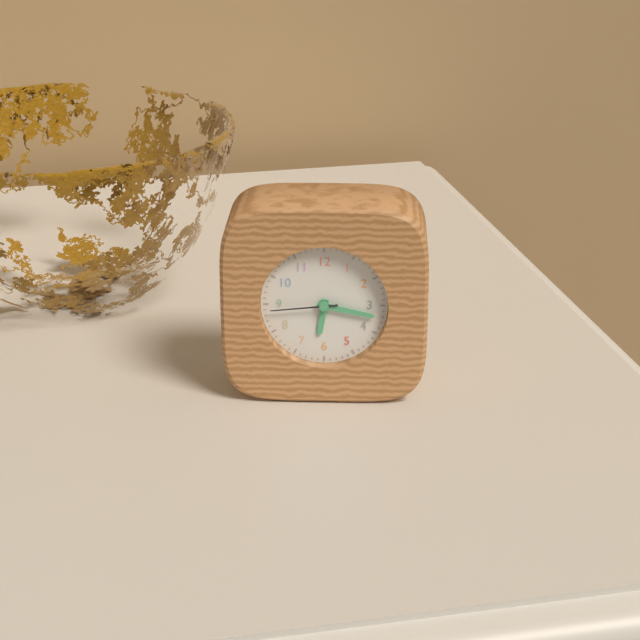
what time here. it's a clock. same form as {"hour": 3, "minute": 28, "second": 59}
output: {"hour": 6, "minute": 17, "second": 44}
